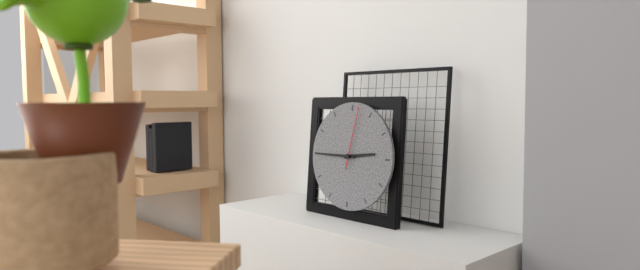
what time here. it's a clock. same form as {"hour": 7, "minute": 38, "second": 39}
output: {"hour": 2, "minute": 45, "second": 2}
